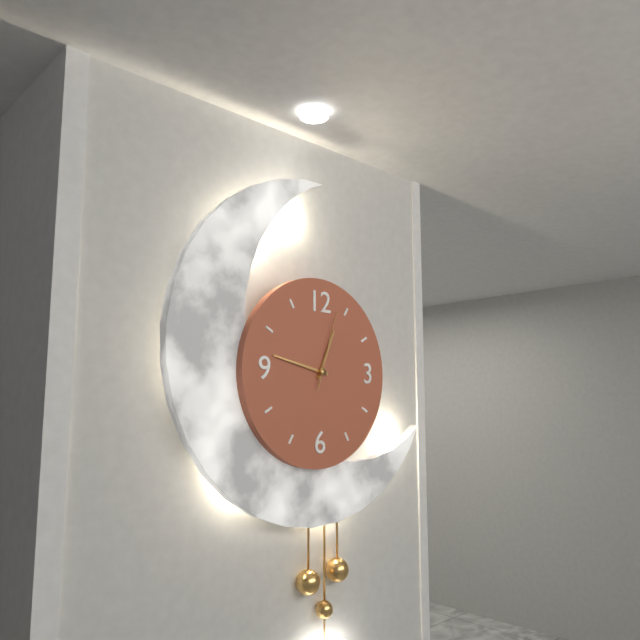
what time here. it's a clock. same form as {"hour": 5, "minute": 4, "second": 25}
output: {"hour": 12, "minute": 47, "second": 3}
